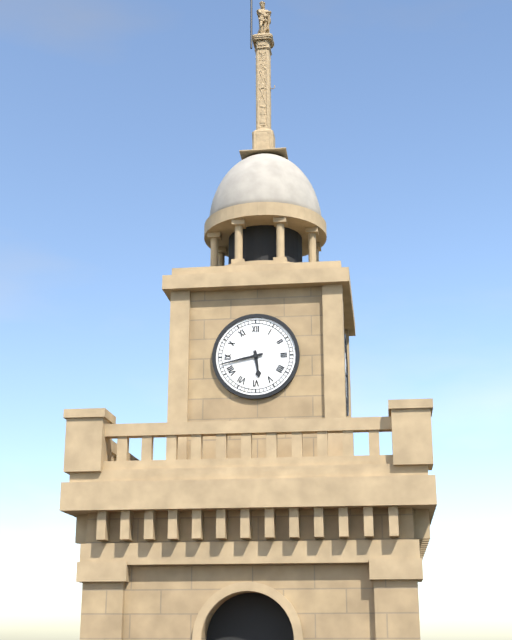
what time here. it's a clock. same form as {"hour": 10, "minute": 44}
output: {"hour": 5, "minute": 43}
